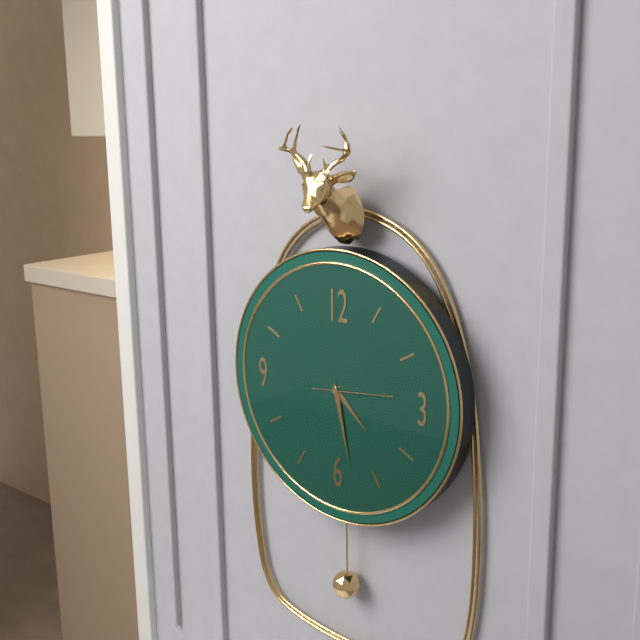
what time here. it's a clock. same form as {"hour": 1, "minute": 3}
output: {"hour": 4, "minute": 28}
